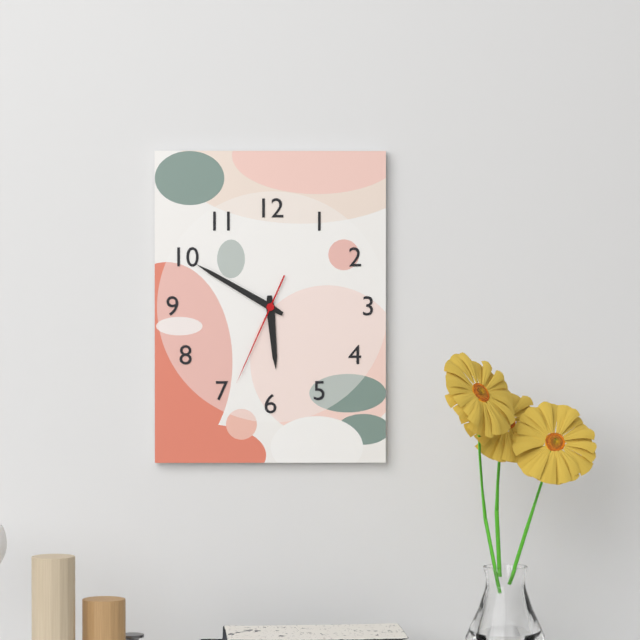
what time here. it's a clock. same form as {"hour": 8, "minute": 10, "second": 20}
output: {"hour": 5, "minute": 50, "second": 34}
